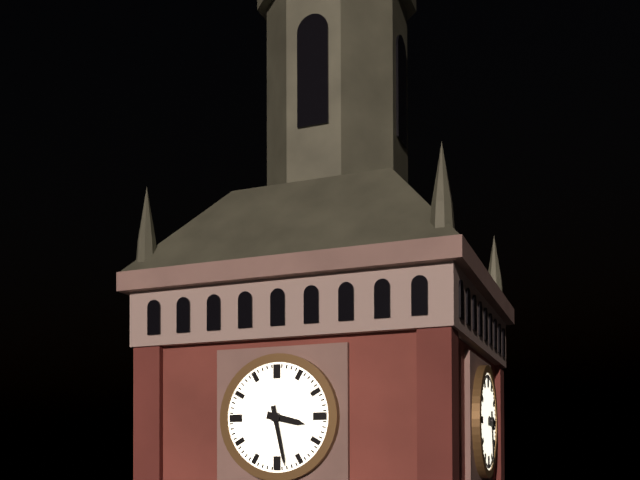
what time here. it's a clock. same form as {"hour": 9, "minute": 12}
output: {"hour": 3, "minute": 28}
